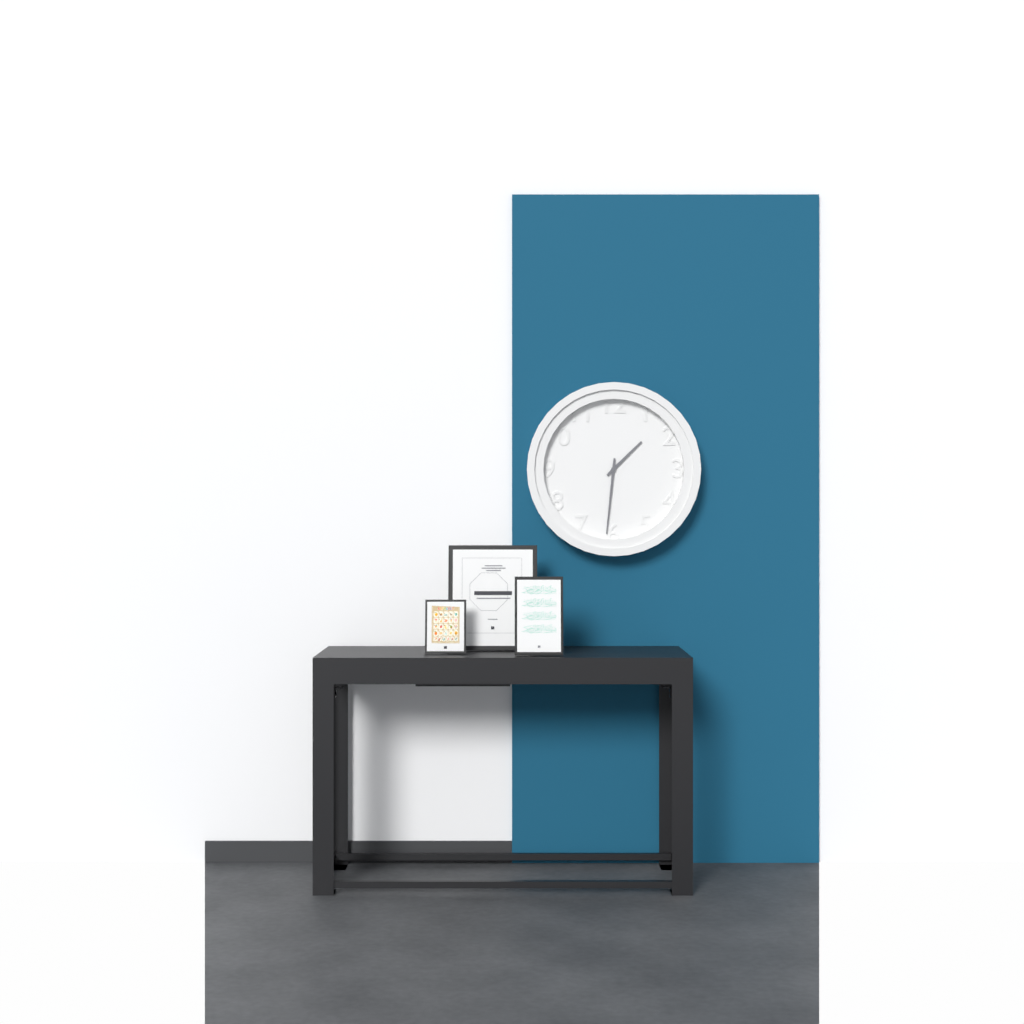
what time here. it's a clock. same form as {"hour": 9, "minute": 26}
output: {"hour": 1, "minute": 31}
